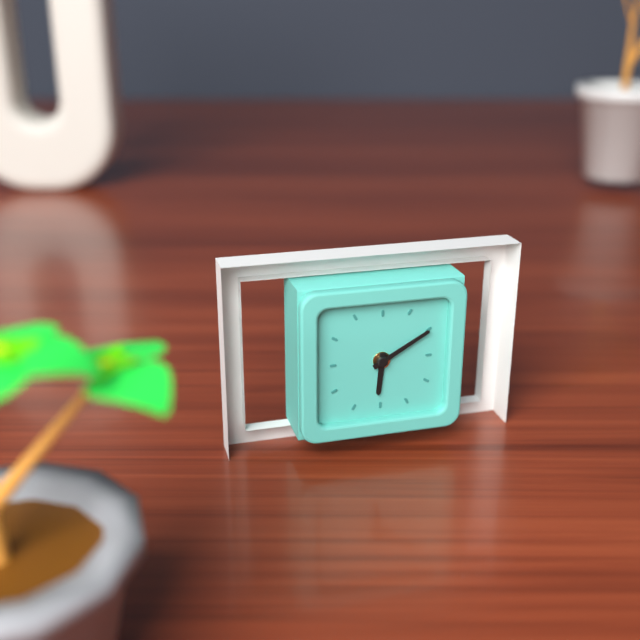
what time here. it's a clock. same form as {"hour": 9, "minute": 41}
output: {"hour": 6, "minute": 10}
